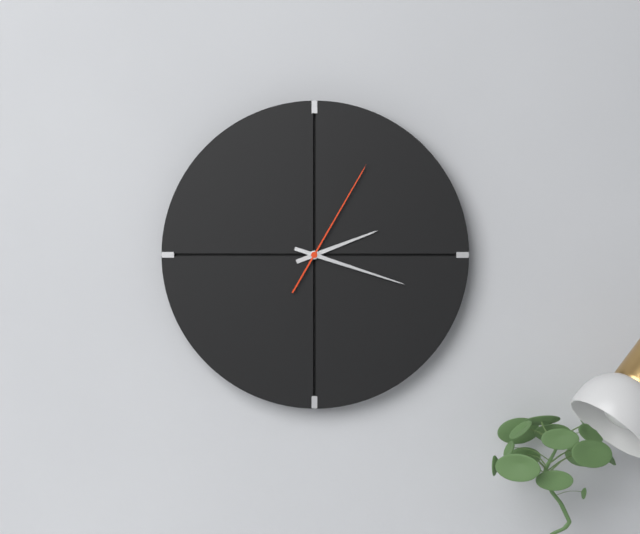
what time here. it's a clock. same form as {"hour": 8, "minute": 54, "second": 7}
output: {"hour": 2, "minute": 18, "second": 5}
